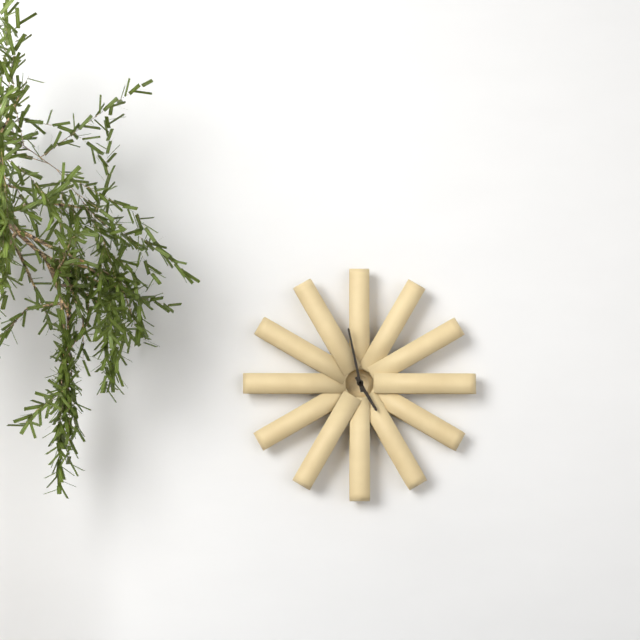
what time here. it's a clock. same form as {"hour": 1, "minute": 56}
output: {"hour": 4, "minute": 58}
